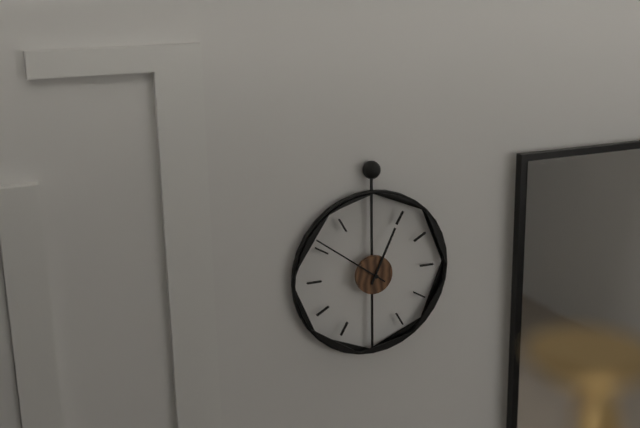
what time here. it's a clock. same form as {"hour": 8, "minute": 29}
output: {"hour": 12, "minute": 51}
